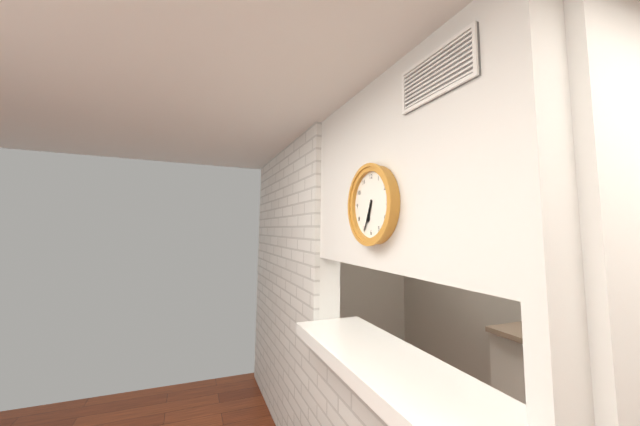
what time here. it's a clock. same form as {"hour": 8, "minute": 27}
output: {"hour": 6, "minute": 34}
